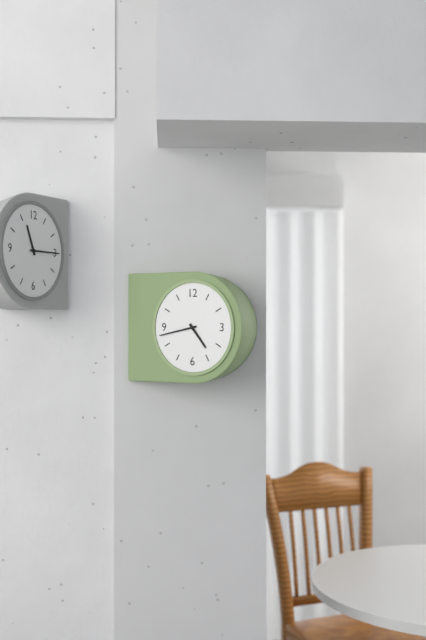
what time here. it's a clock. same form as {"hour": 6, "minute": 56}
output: {"hour": 4, "minute": 43}
